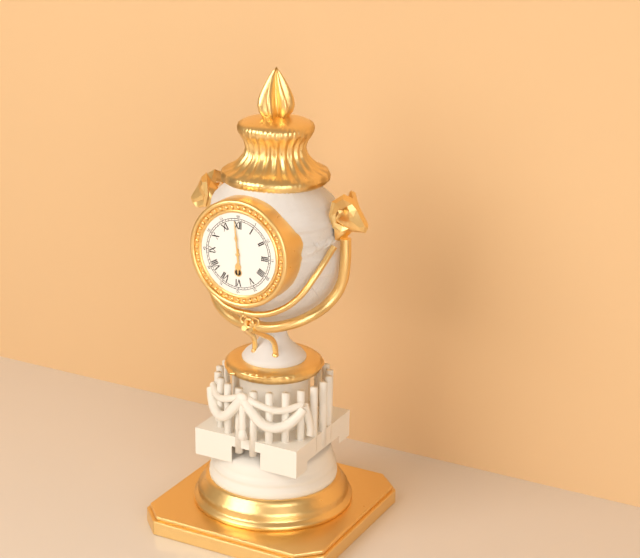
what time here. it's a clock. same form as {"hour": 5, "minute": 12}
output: {"hour": 5, "minute": 59}
